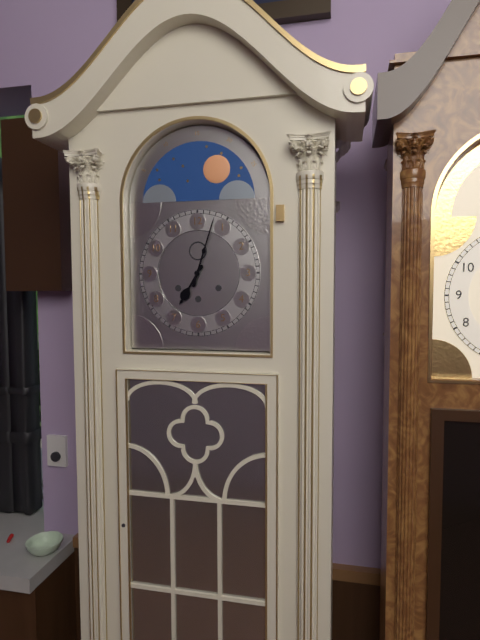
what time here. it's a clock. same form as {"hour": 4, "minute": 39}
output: {"hour": 7, "minute": 3}
